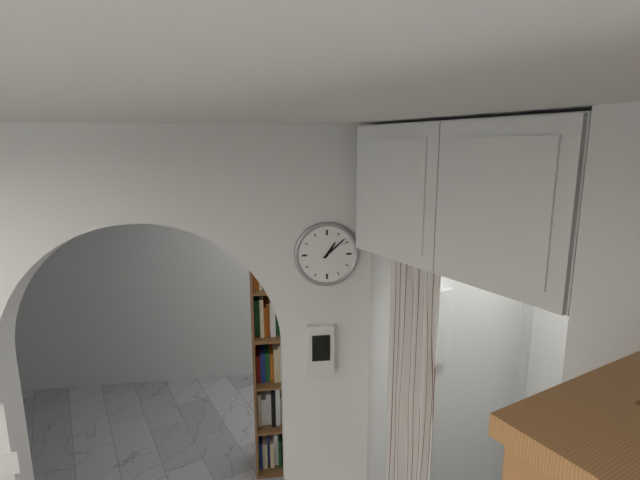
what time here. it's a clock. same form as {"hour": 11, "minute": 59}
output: {"hour": 1, "minute": 8}
